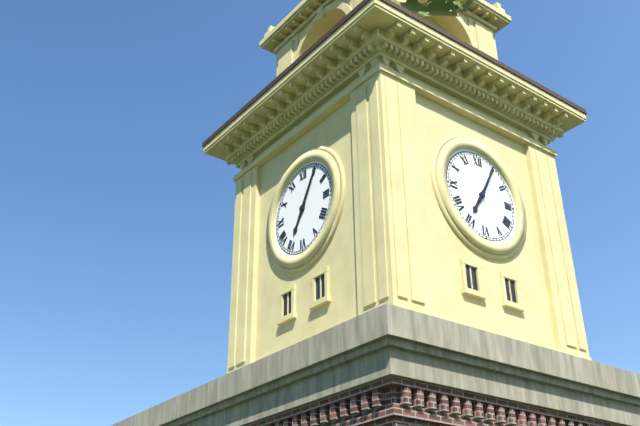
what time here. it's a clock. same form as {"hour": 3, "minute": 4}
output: {"hour": 7, "minute": 5}
